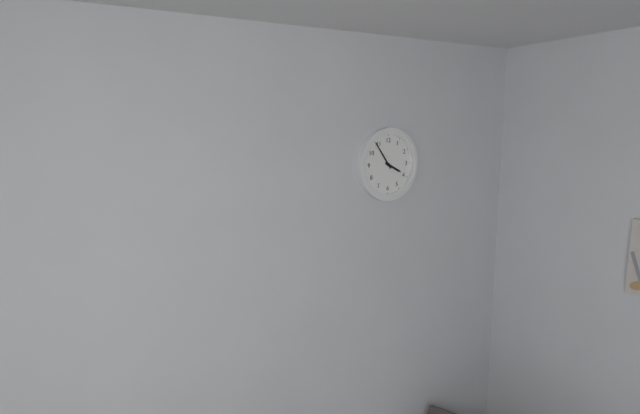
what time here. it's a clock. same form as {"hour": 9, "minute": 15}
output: {"hour": 3, "minute": 54}
